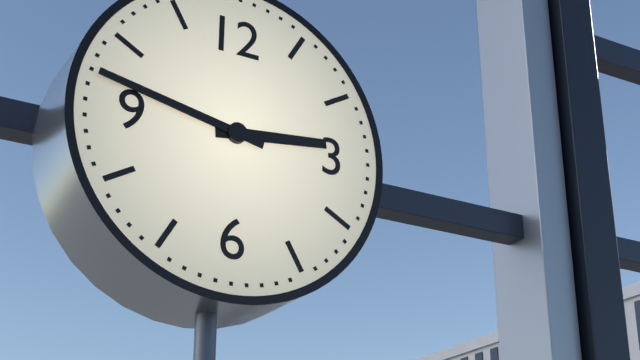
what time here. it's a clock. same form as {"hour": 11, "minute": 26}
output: {"hour": 2, "minute": 47}
